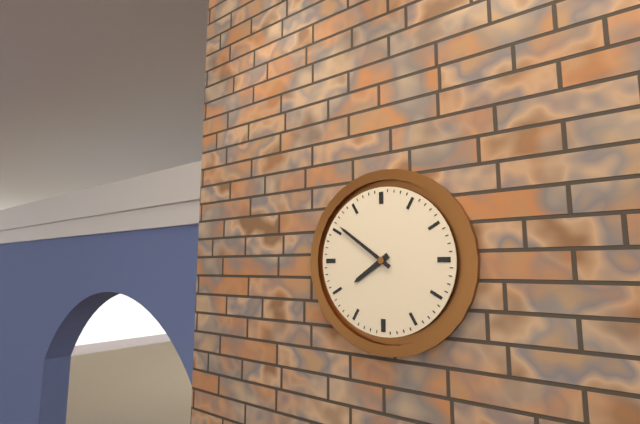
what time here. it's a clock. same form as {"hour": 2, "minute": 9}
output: {"hour": 7, "minute": 51}
